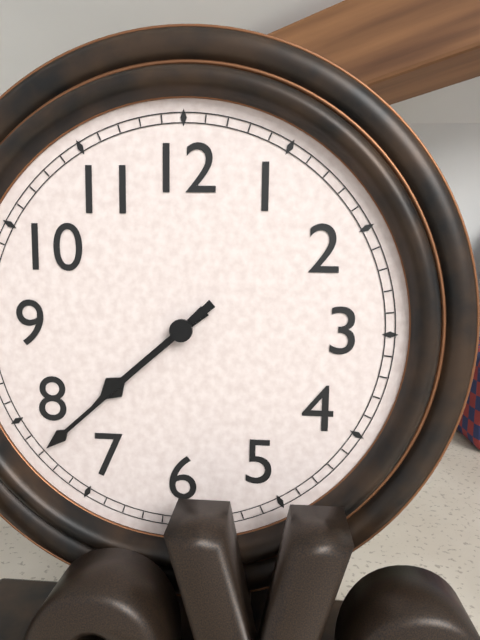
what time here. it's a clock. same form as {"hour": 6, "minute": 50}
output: {"hour": 7, "minute": 38}
